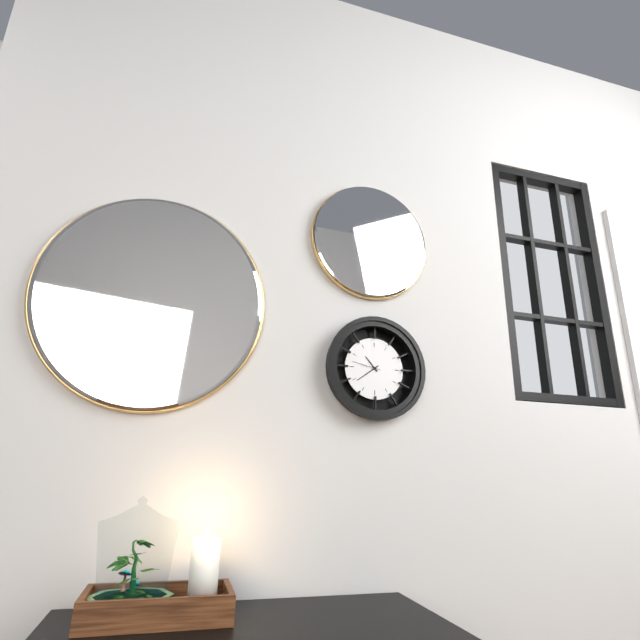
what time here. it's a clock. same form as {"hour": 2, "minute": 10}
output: {"hour": 10, "minute": 39}
